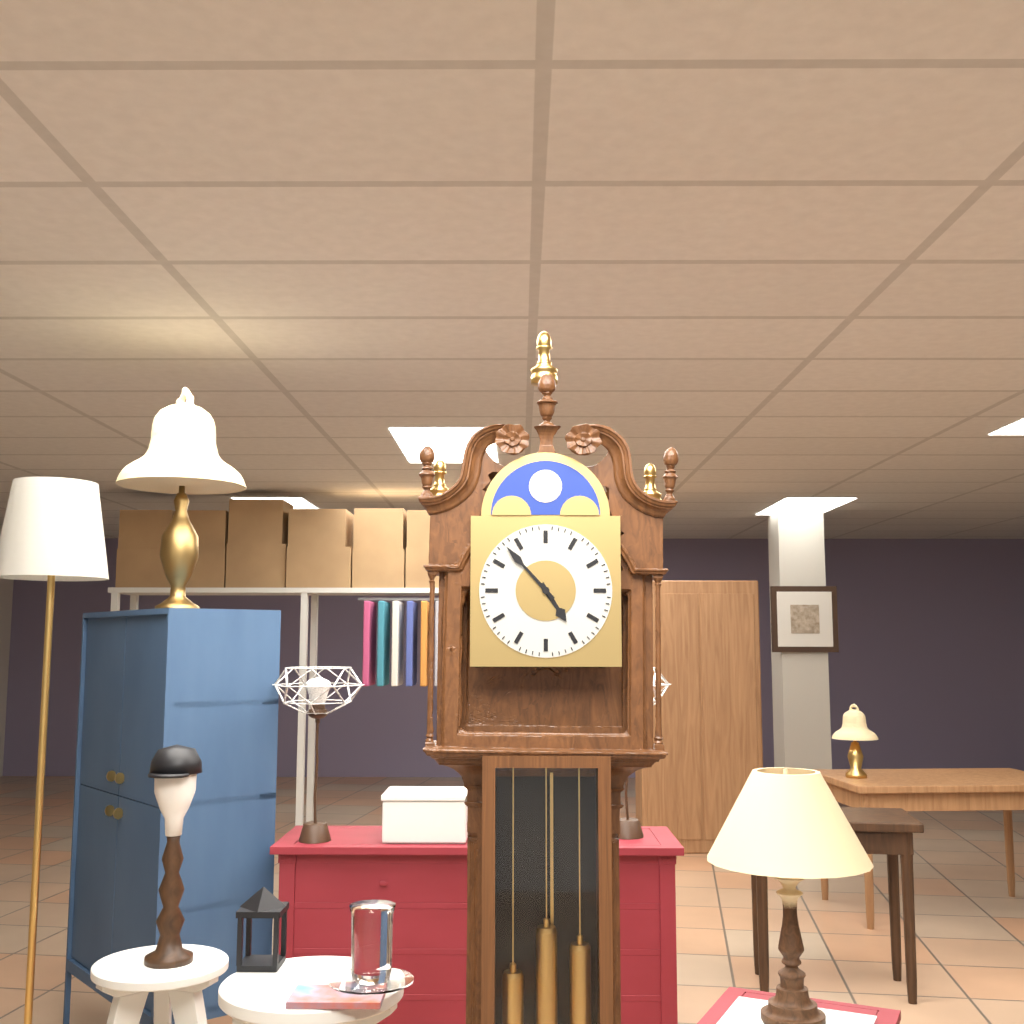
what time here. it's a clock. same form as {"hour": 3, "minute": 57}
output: {"hour": 4, "minute": 53}
